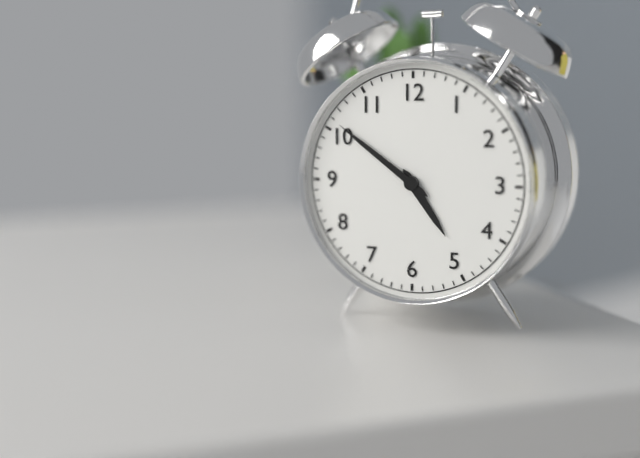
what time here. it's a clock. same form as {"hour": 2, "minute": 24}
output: {"hour": 4, "minute": 51}
